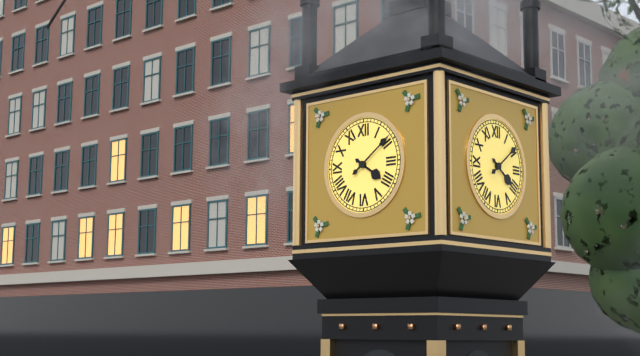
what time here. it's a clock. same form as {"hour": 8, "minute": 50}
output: {"hour": 4, "minute": 9}
